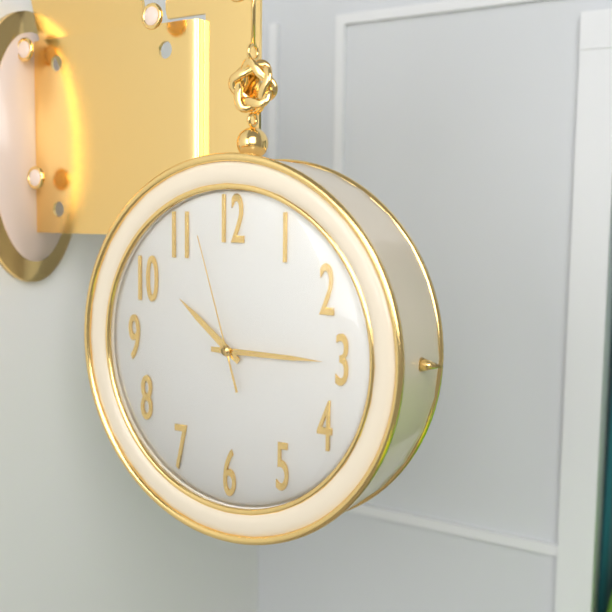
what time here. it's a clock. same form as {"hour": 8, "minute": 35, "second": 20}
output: {"hour": 10, "minute": 15, "second": 57}
